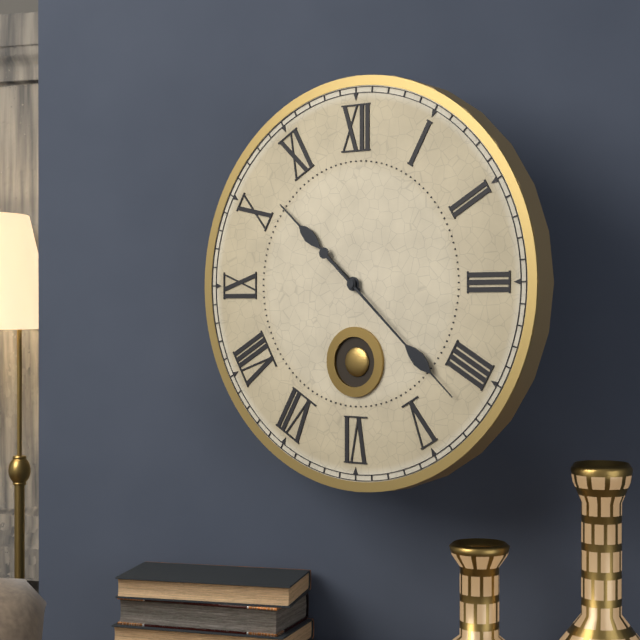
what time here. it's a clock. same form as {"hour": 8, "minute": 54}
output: {"hour": 10, "minute": 22}
